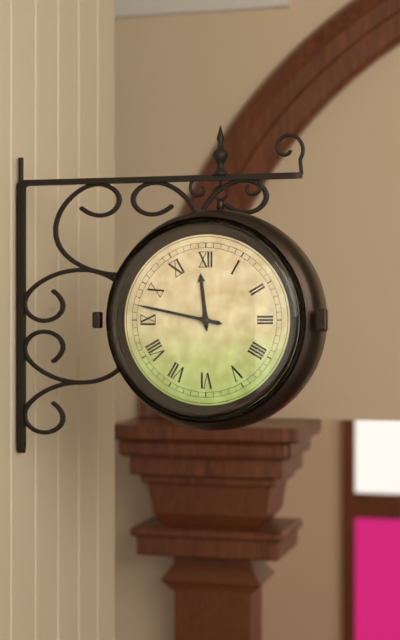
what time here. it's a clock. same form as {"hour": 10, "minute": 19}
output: {"hour": 11, "minute": 47}
